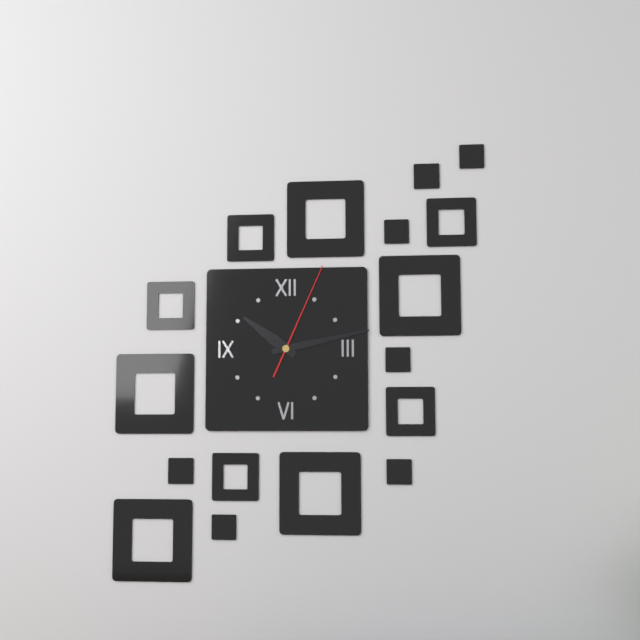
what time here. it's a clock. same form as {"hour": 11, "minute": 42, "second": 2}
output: {"hour": 10, "minute": 13, "second": 4}
